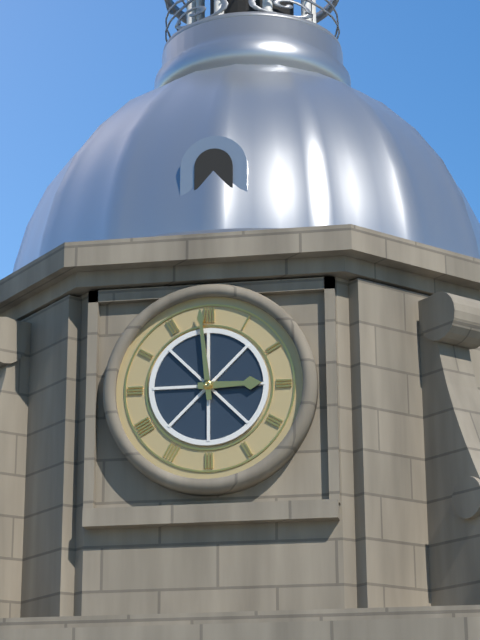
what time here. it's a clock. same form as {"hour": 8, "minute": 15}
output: {"hour": 2, "minute": 59}
